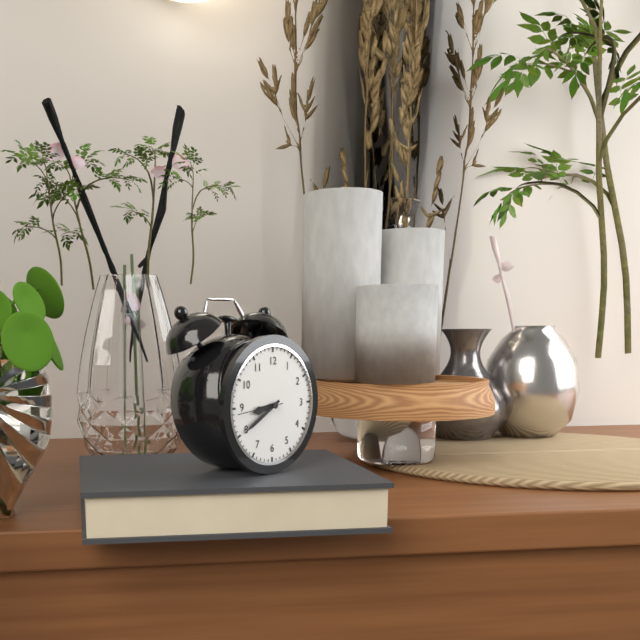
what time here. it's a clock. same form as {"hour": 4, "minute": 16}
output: {"hour": 8, "minute": 40}
